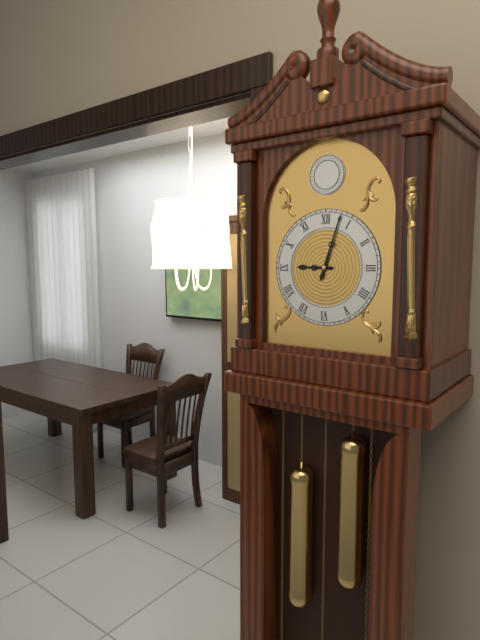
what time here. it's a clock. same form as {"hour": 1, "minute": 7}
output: {"hour": 9, "minute": 3}
